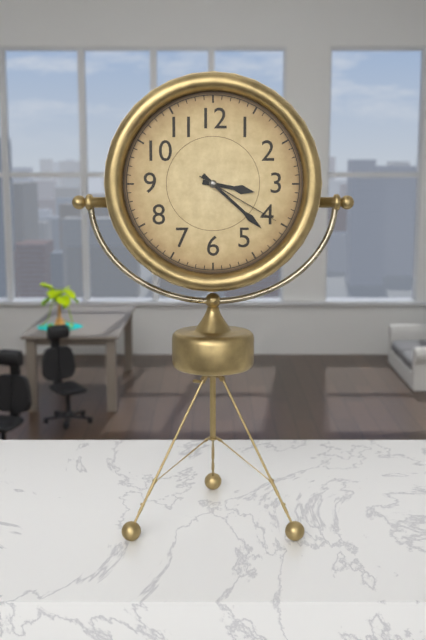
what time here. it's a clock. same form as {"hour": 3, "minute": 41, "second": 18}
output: {"hour": 3, "minute": 22, "second": 20}
